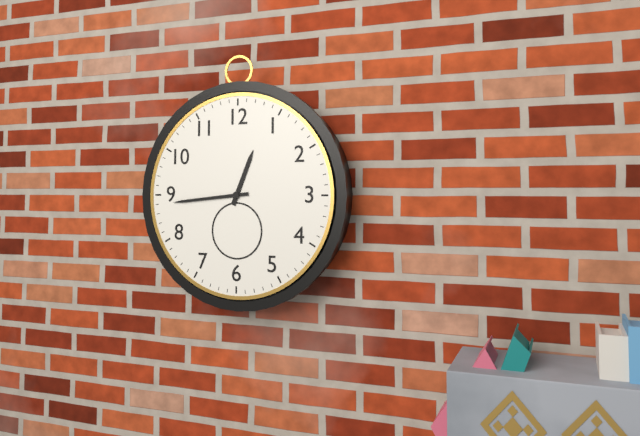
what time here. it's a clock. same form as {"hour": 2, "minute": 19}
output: {"hour": 12, "minute": 44}
